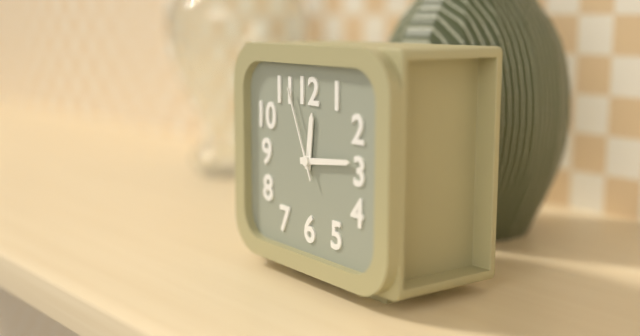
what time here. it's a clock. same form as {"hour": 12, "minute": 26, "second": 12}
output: {"hour": 12, "minute": 14, "second": 56}
